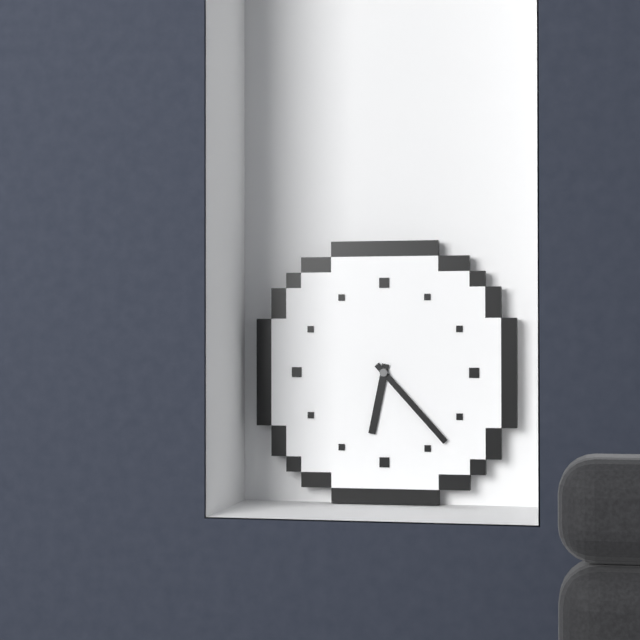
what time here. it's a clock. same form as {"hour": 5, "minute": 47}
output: {"hour": 6, "minute": 23}
